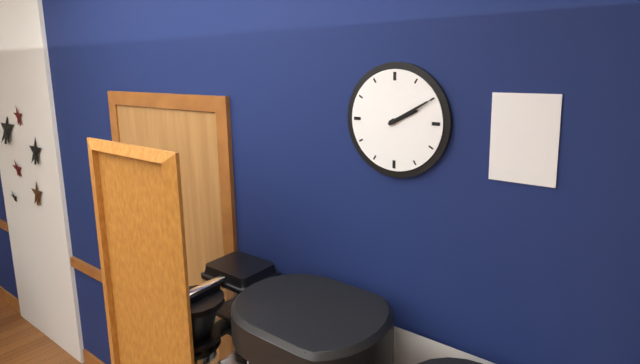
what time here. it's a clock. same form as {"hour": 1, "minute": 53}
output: {"hour": 2, "minute": 10}
